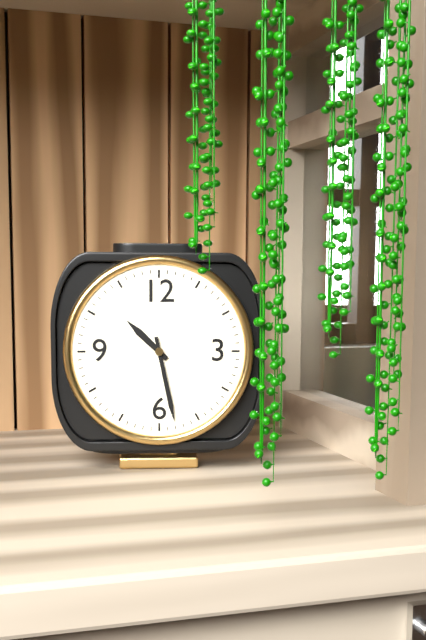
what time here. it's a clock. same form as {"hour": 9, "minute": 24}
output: {"hour": 10, "minute": 28}
